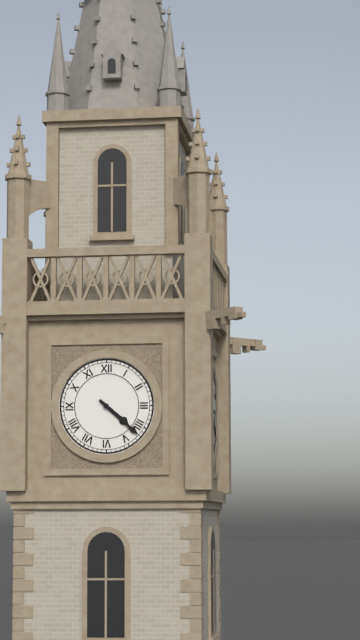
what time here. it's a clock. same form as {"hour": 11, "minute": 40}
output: {"hour": 4, "minute": 22}
